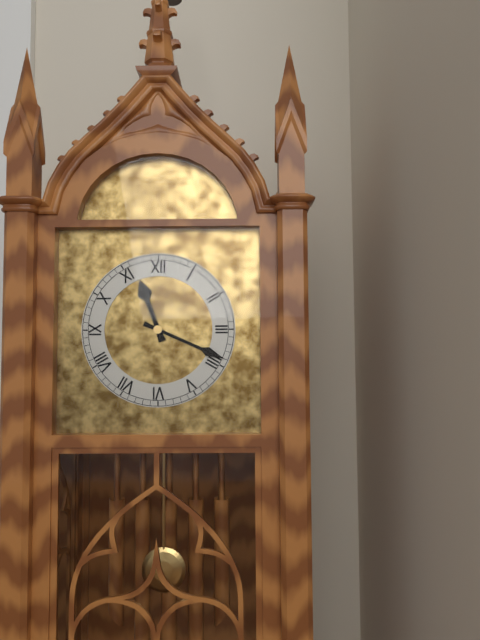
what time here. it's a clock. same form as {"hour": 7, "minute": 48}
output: {"hour": 11, "minute": 19}
